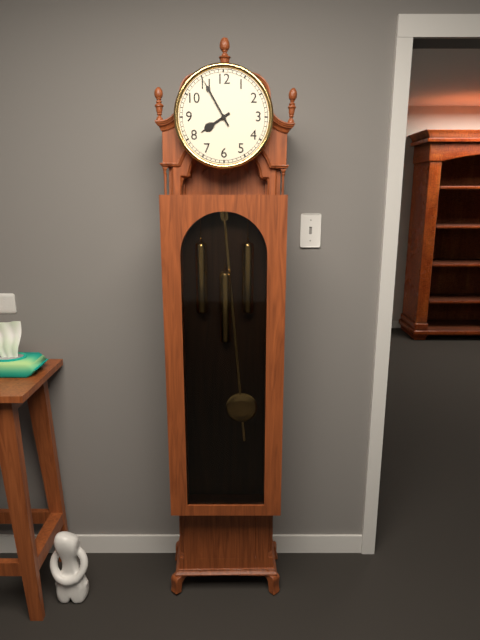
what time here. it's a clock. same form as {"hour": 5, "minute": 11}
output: {"hour": 7, "minute": 55}
